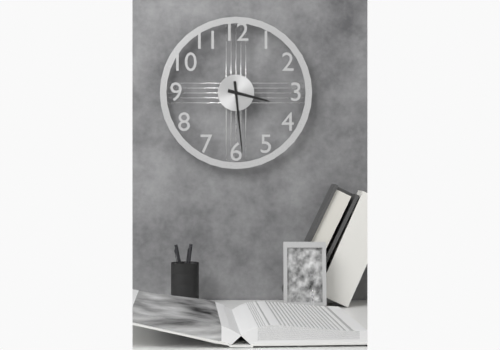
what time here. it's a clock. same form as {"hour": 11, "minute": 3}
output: {"hour": 3, "minute": 29}
